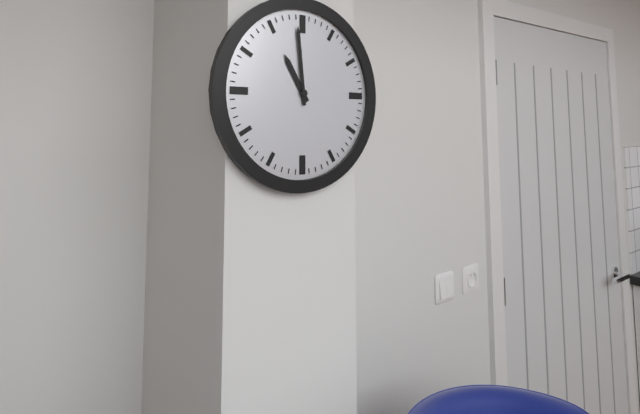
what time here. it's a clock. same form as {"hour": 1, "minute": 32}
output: {"hour": 10, "minute": 59}
